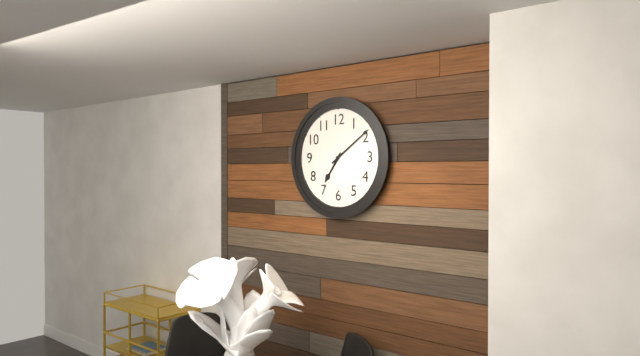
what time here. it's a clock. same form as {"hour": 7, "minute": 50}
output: {"hour": 7, "minute": 9}
